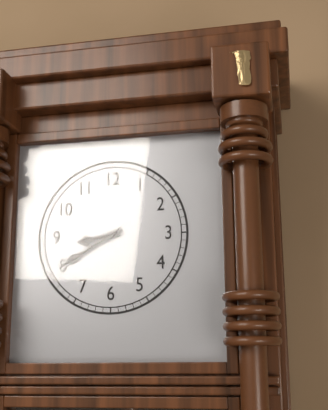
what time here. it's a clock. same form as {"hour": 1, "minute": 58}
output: {"hour": 8, "minute": 40}
